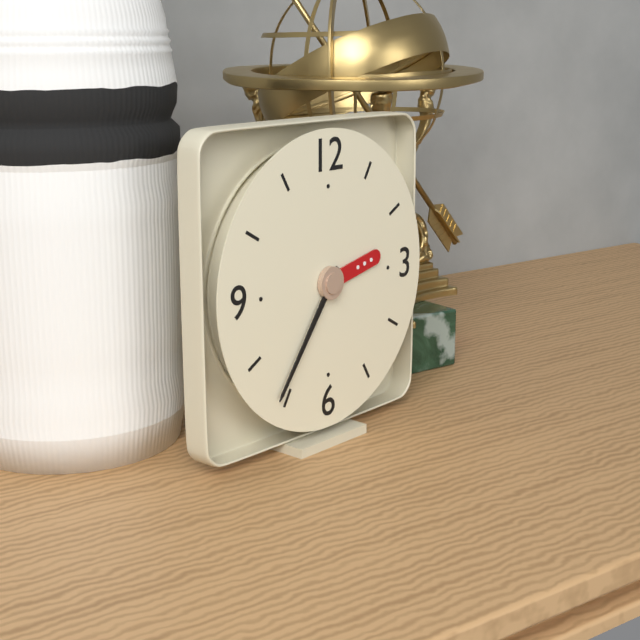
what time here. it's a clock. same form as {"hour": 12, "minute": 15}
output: {"hour": 2, "minute": 36}
